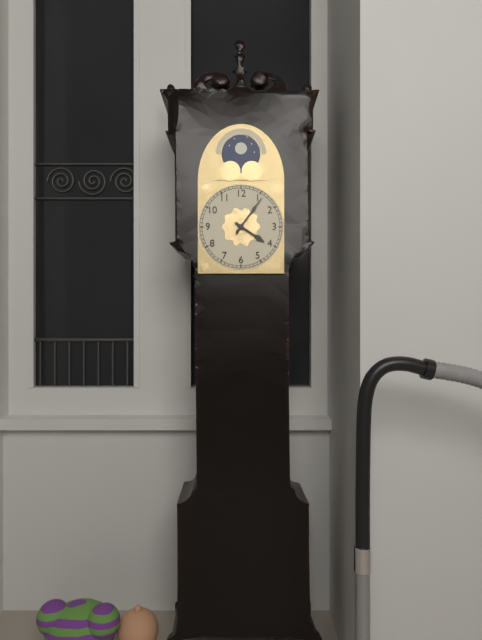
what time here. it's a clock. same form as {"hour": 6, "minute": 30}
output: {"hour": 4, "minute": 6}
